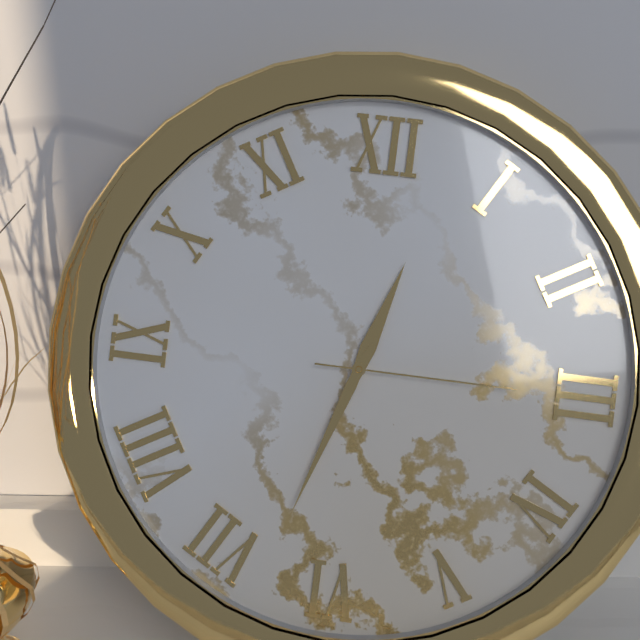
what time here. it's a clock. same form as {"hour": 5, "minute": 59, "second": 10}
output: {"hour": 12, "minute": 33, "second": 15}
